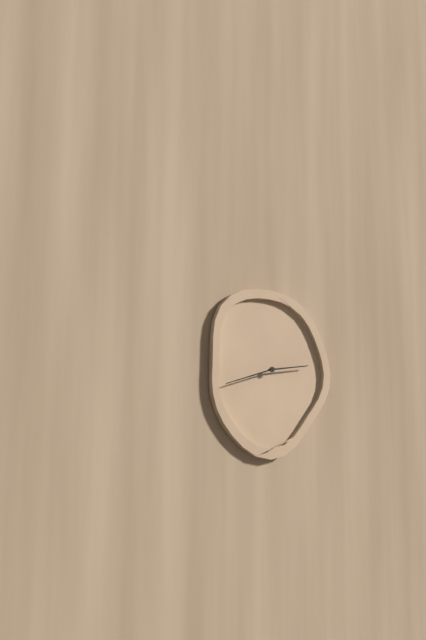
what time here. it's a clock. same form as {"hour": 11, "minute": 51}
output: {"hour": 2, "minute": 42}
